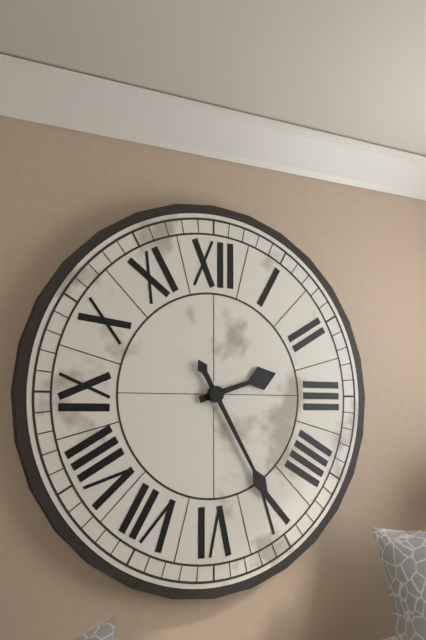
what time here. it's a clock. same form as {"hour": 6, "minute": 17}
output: {"hour": 2, "minute": 25}
